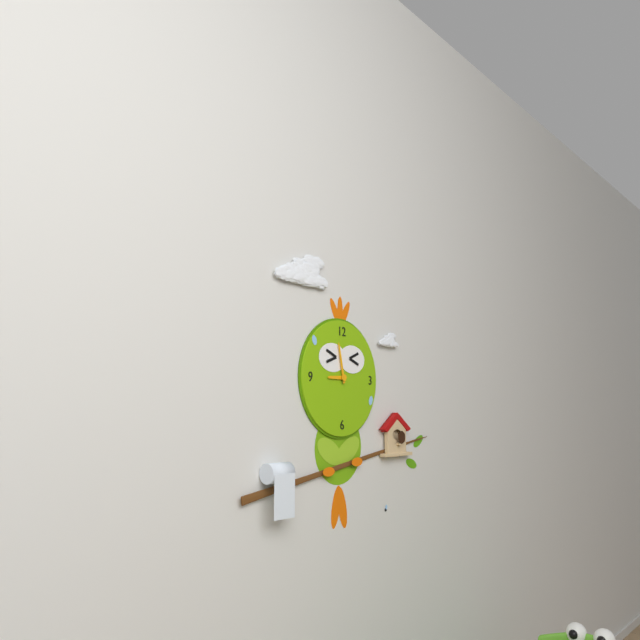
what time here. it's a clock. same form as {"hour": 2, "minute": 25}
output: {"hour": 8, "minute": 58}
